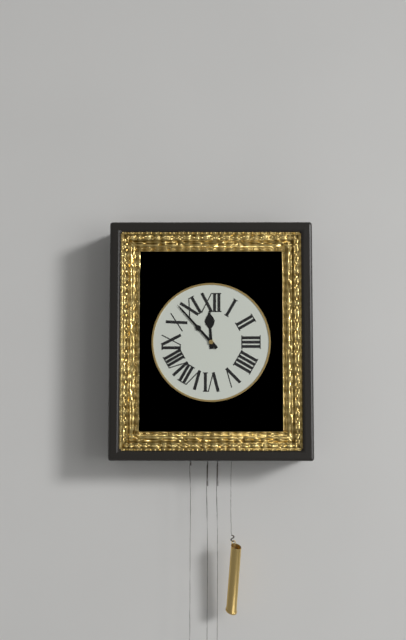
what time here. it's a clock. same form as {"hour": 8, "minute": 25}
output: {"hour": 11, "minute": 53}
